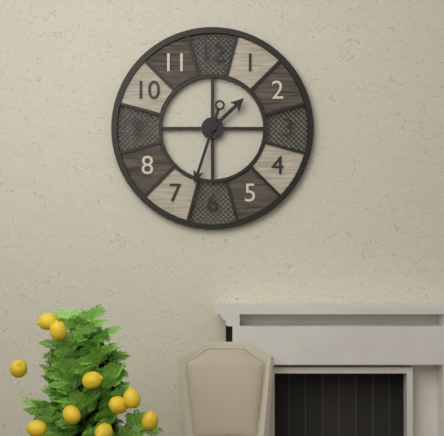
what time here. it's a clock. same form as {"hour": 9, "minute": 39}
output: {"hour": 1, "minute": 33}
